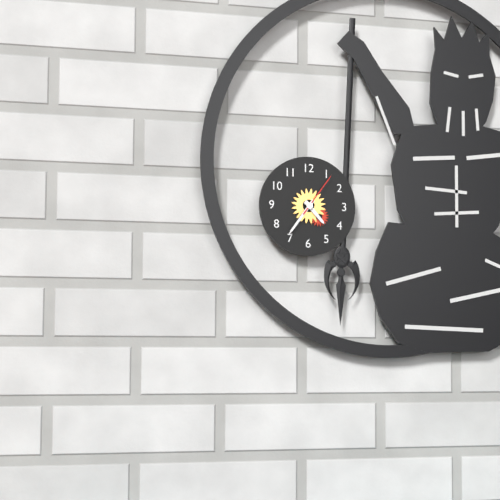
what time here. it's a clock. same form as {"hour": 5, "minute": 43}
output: {"hour": 4, "minute": 36}
